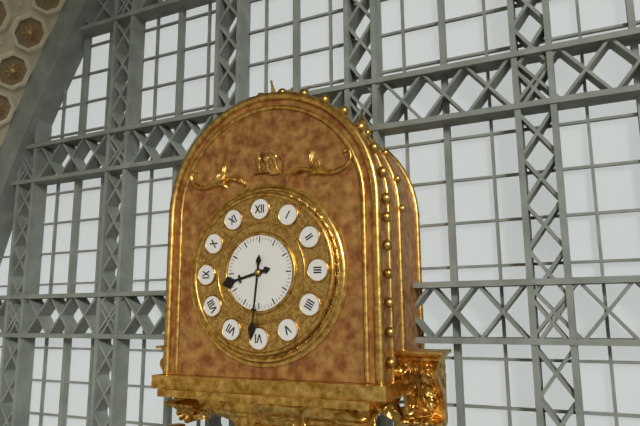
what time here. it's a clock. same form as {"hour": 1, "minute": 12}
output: {"hour": 8, "minute": 31}
